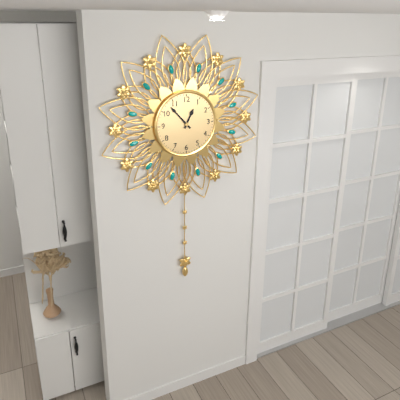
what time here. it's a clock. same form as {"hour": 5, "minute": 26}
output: {"hour": 12, "minute": 53}
